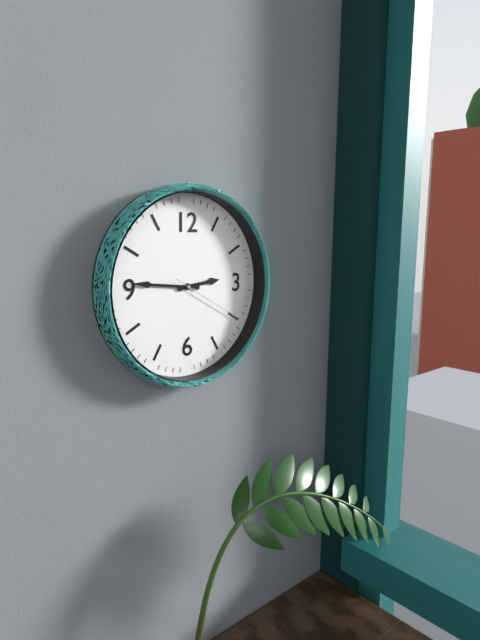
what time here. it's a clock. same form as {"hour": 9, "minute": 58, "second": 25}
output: {"hour": 2, "minute": 46, "second": 20}
